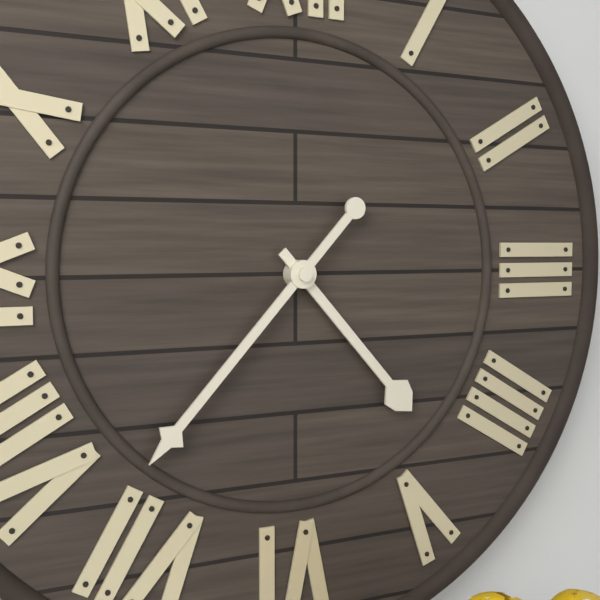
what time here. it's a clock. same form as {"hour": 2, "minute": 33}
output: {"hour": 4, "minute": 37}
